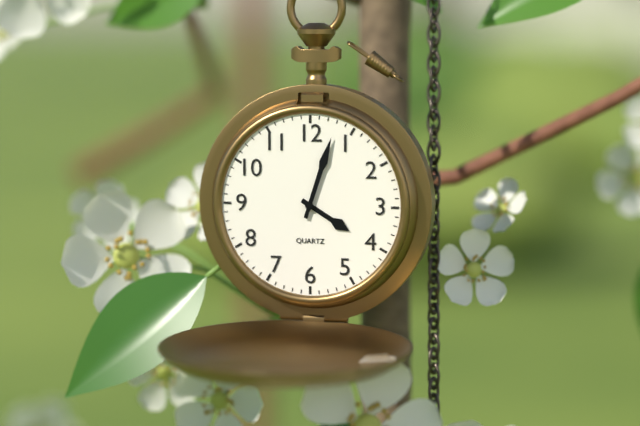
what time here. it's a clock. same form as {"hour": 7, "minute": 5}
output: {"hour": 4, "minute": 3}
